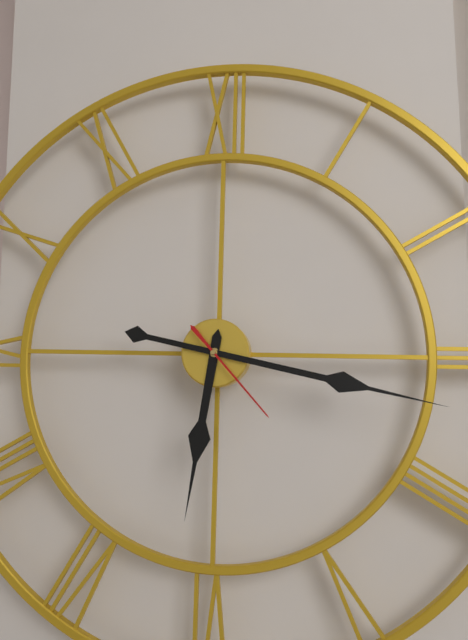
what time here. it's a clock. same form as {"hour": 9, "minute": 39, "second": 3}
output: {"hour": 6, "minute": 17, "second": 23}
